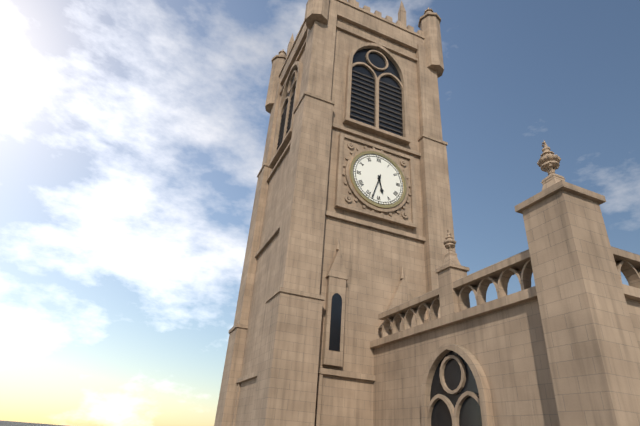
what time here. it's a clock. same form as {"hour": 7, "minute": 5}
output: {"hour": 5, "minute": 33}
